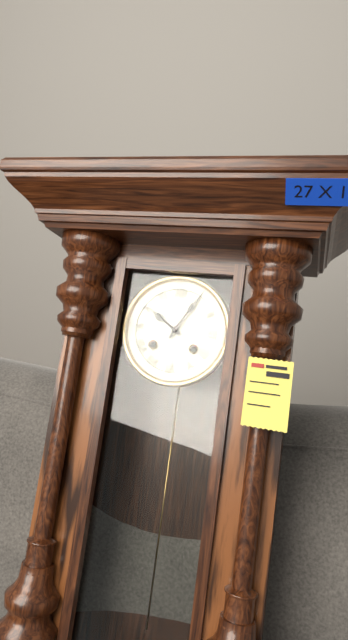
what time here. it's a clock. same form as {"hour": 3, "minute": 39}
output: {"hour": 10, "minute": 5}
